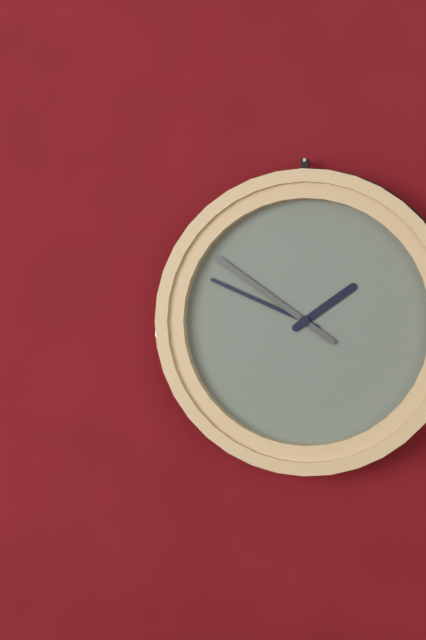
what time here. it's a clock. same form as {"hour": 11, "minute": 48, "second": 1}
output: {"hour": 1, "minute": 49, "second": 51}
